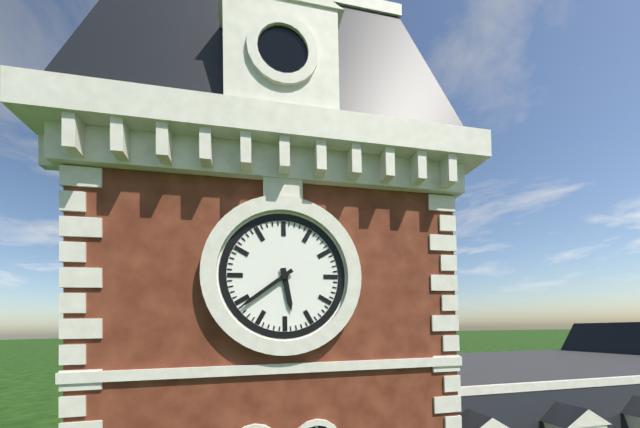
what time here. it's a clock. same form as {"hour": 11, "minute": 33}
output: {"hour": 5, "minute": 39}
